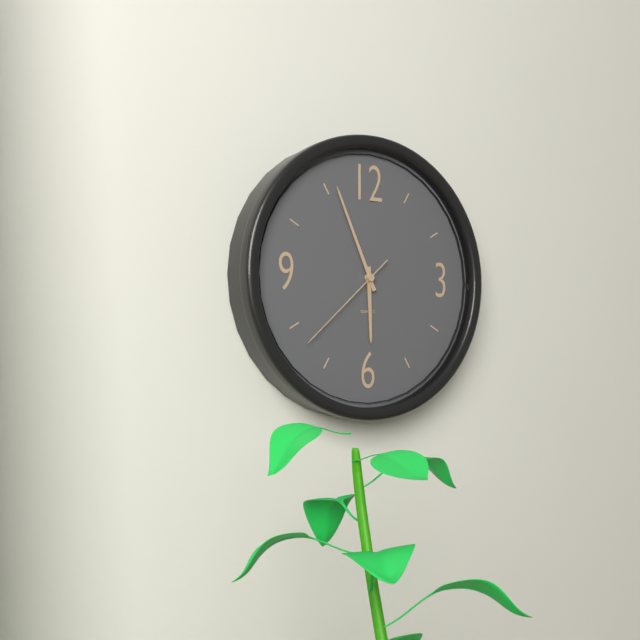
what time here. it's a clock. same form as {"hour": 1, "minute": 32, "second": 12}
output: {"hour": 5, "minute": 56, "second": 38}
